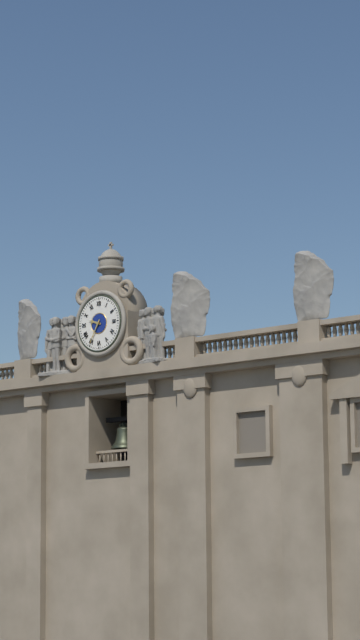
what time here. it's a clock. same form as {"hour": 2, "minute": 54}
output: {"hour": 9, "minute": 35}
